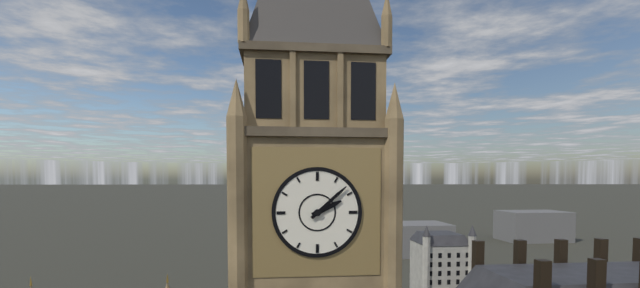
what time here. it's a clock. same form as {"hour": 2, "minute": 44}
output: {"hour": 2, "minute": 8}
